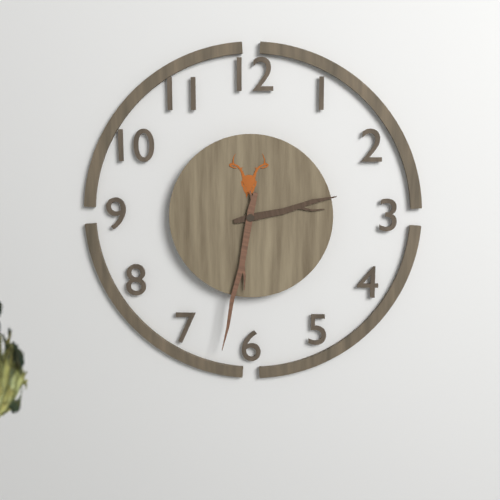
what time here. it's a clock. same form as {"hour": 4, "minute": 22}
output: {"hour": 2, "minute": 32}
